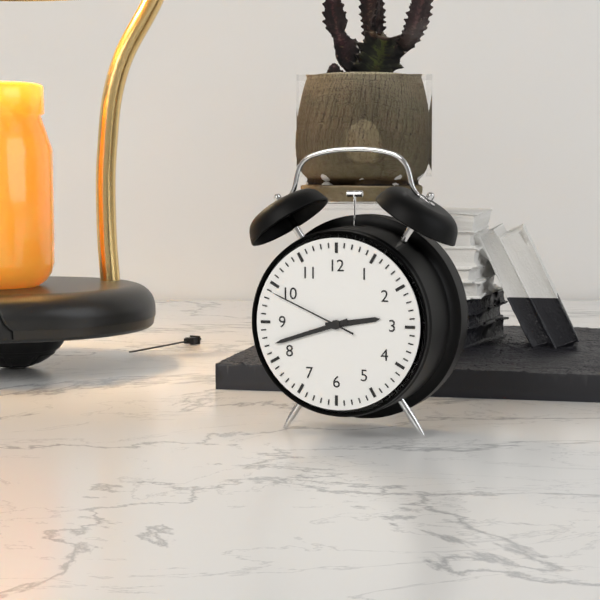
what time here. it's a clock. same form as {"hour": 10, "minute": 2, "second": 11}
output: {"hour": 2, "minute": 42, "second": 49}
